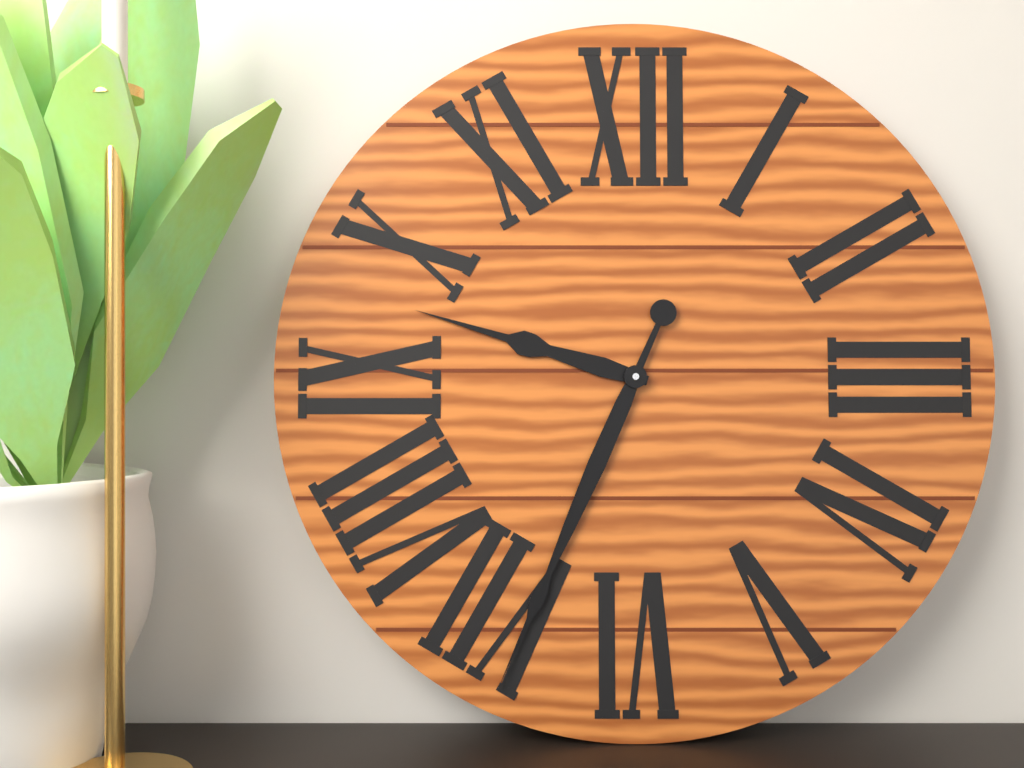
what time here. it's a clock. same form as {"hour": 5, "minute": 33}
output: {"hour": 9, "minute": 34}
